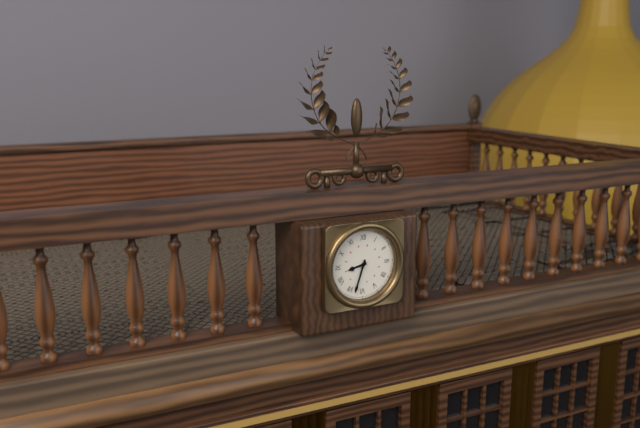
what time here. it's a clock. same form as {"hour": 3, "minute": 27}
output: {"hour": 8, "minute": 33}
